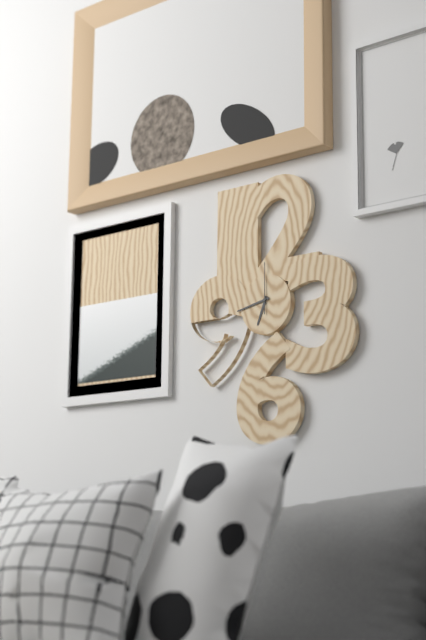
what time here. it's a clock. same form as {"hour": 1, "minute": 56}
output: {"hour": 6, "minute": 43}
